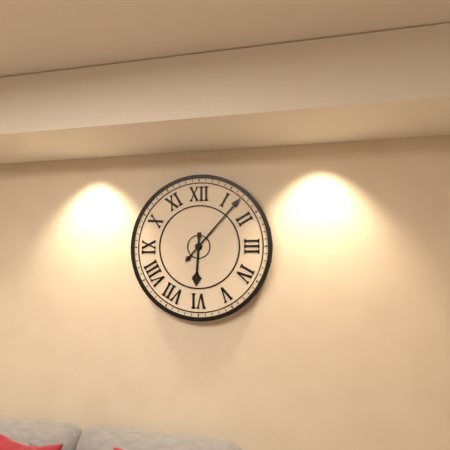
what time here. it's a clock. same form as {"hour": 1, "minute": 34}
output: {"hour": 6, "minute": 7}
